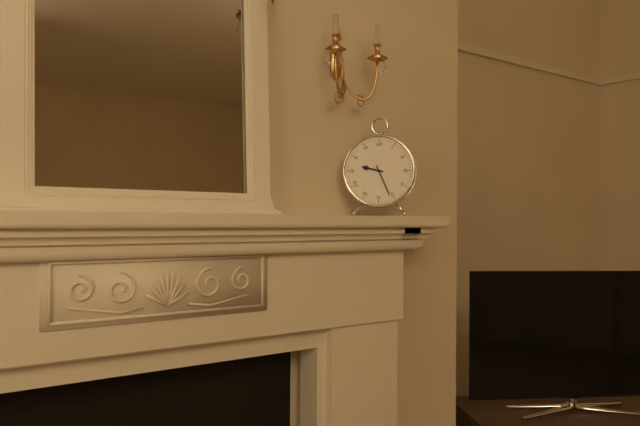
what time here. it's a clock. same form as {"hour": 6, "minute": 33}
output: {"hour": 9, "minute": 26}
